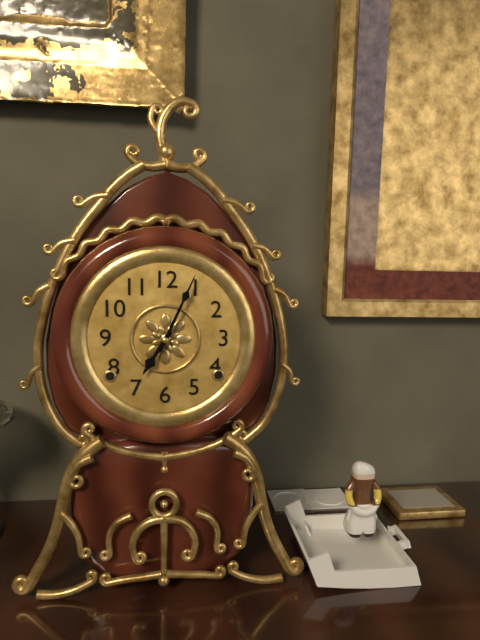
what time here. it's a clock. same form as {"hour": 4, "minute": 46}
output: {"hour": 7, "minute": 4}
